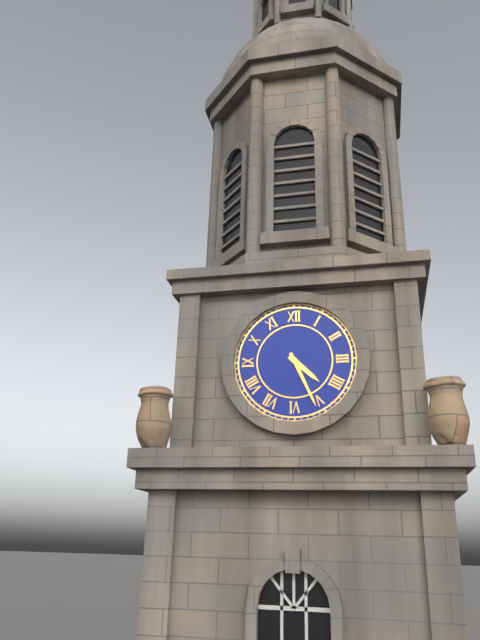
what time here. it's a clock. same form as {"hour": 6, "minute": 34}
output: {"hour": 4, "minute": 26}
